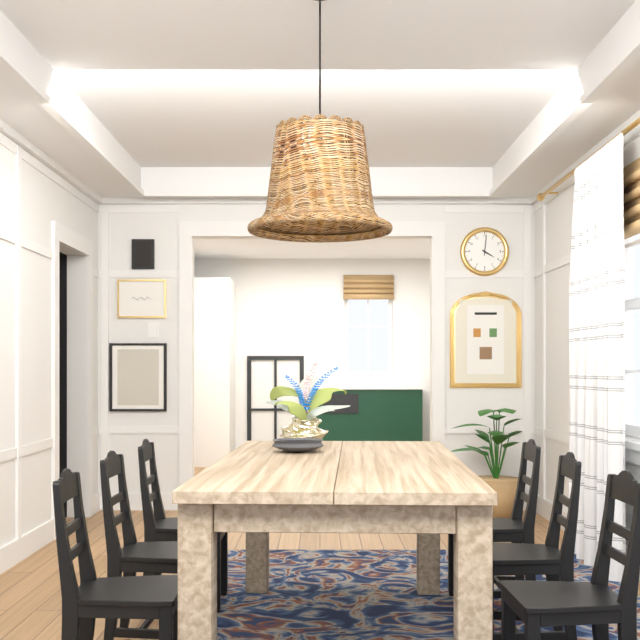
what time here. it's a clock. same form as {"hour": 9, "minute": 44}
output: {"hour": 4, "minute": 1}
